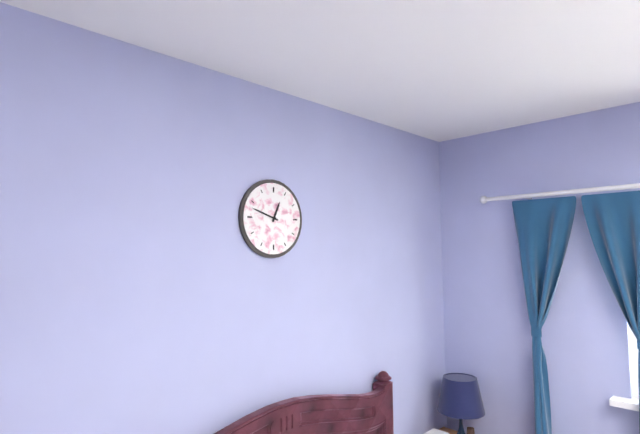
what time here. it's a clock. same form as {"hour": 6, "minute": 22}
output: {"hour": 12, "minute": 48}
